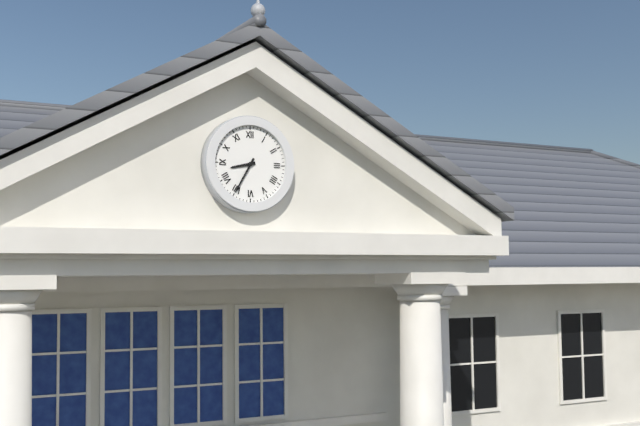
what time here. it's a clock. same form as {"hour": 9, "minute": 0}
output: {"hour": 8, "minute": 35}
